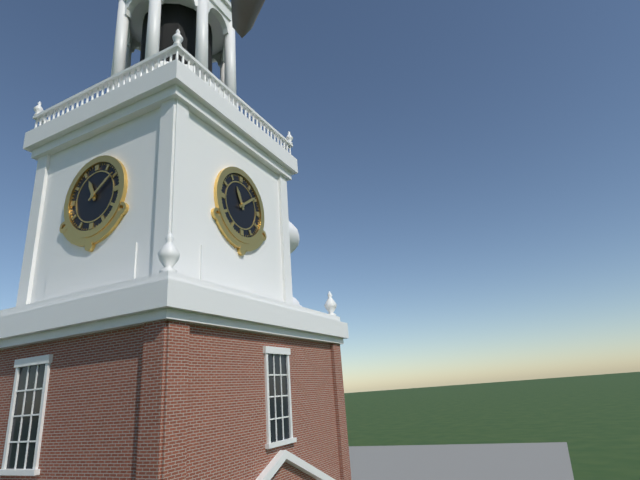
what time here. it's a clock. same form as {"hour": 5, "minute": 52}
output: {"hour": 11, "minute": 9}
